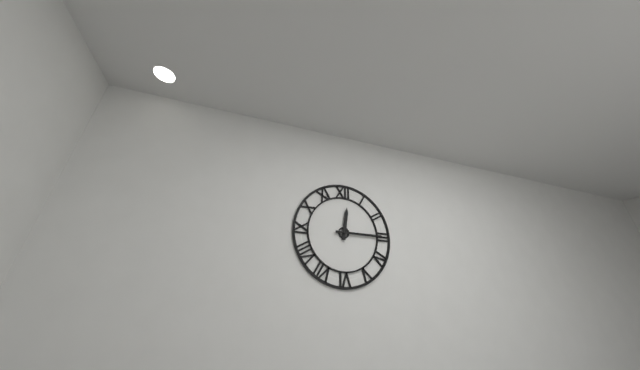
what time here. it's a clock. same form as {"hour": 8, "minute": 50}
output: {"hour": 12, "minute": 15}
